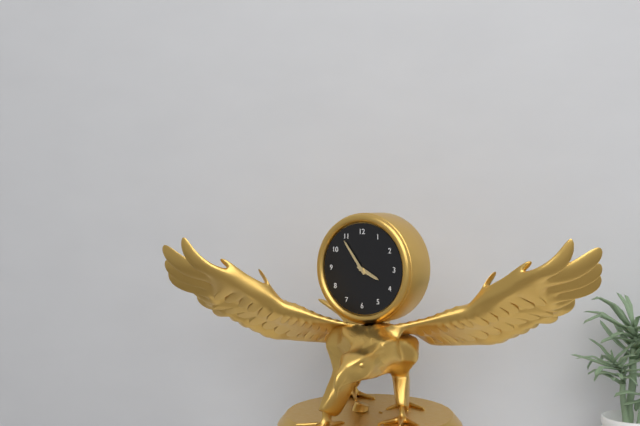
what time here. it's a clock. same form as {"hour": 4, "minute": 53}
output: {"hour": 3, "minute": 54}
